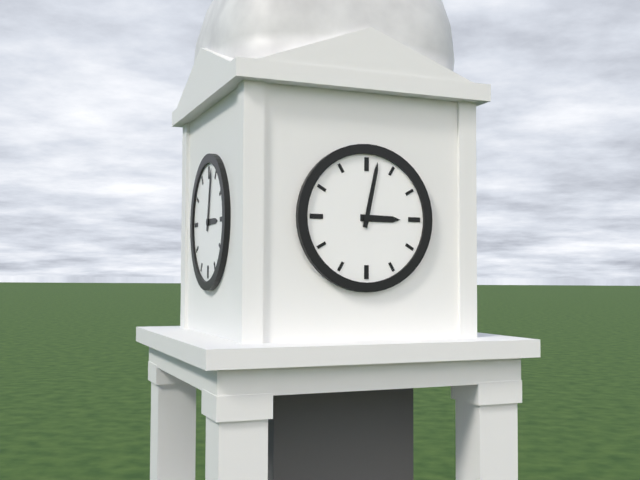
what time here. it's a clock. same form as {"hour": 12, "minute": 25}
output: {"hour": 3, "minute": 2}
